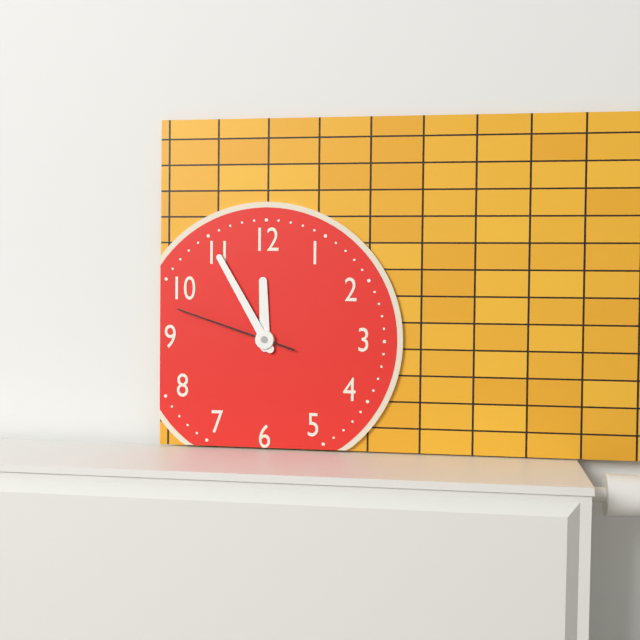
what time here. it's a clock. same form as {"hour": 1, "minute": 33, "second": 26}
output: {"hour": 11, "minute": 55, "second": 48}
